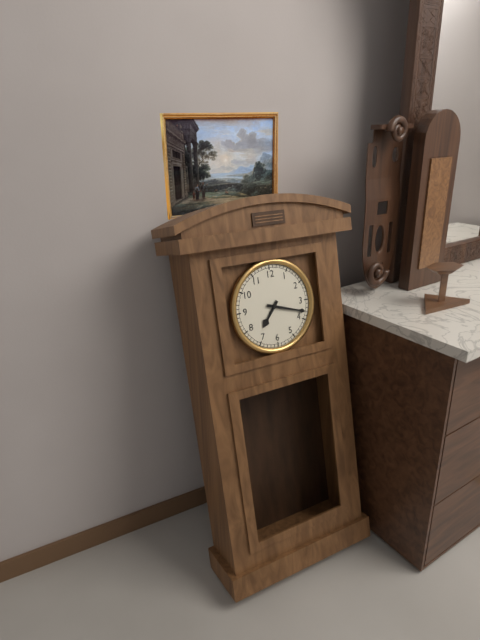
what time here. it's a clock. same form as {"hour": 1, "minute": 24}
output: {"hour": 7, "minute": 18}
